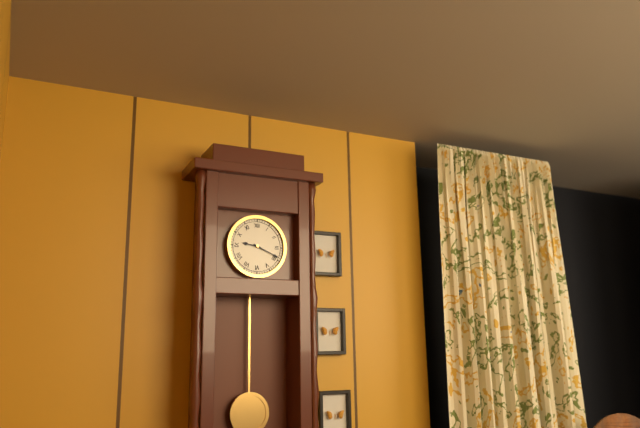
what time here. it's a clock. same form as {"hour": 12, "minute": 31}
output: {"hour": 9, "minute": 19}
